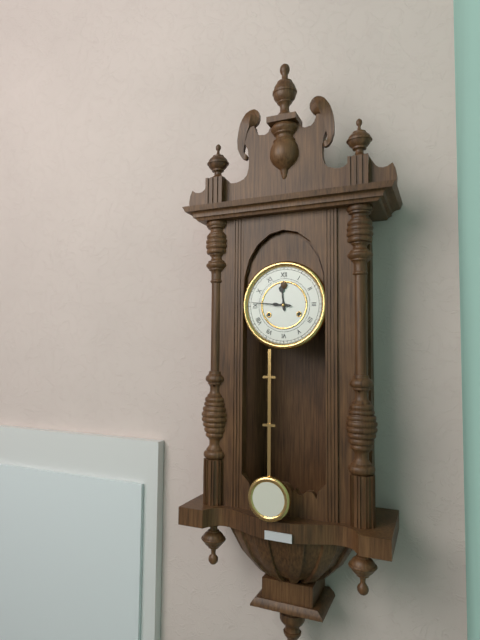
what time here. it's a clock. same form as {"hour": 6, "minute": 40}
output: {"hour": 11, "minute": 46}
